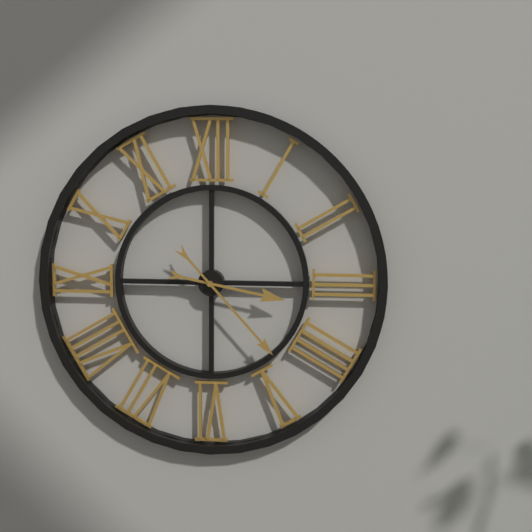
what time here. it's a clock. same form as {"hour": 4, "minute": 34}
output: {"hour": 3, "minute": 23}
